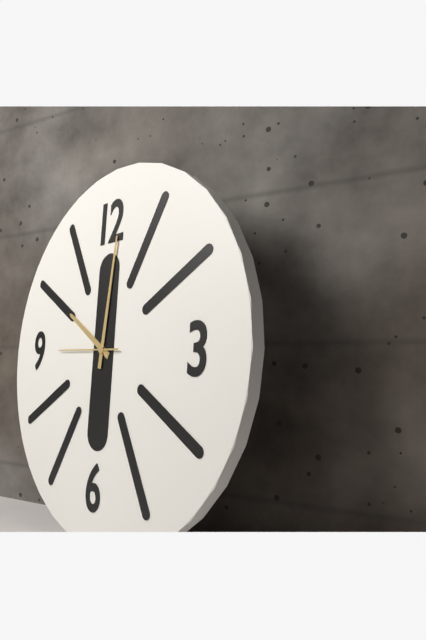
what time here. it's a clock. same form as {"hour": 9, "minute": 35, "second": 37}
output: {"hour": 10, "minute": 1, "second": 45}
